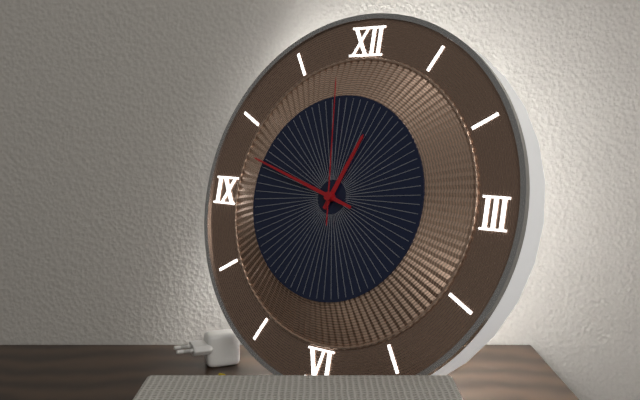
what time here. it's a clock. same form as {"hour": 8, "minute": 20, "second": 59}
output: {"hour": 12, "minute": 48, "second": 59}
